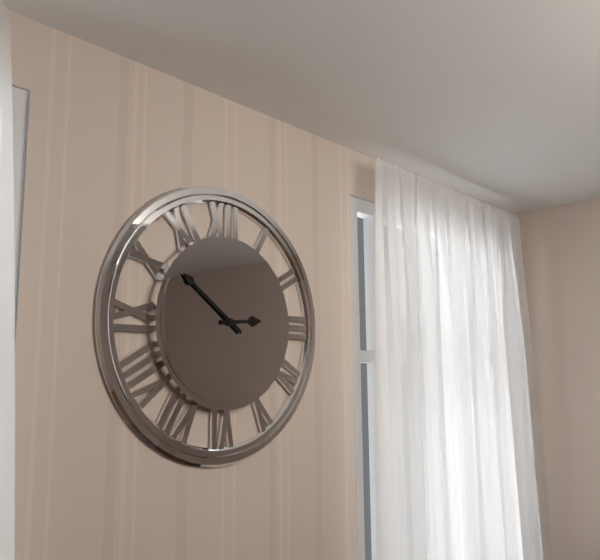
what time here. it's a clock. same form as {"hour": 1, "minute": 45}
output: {"hour": 2, "minute": 51}
